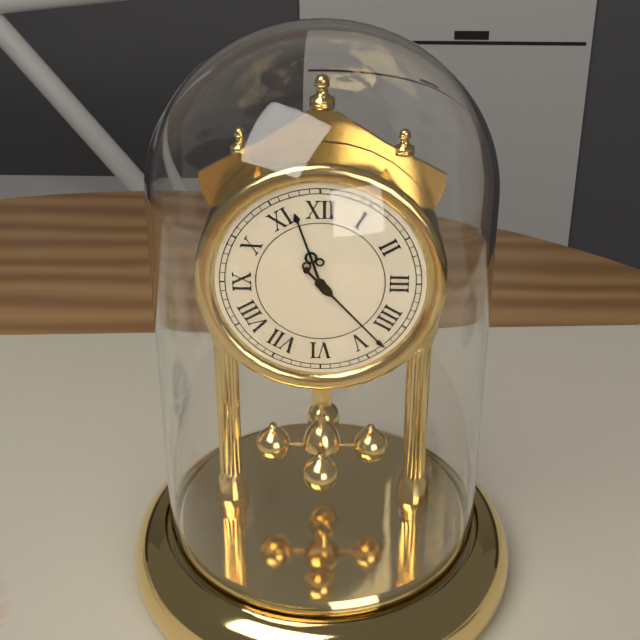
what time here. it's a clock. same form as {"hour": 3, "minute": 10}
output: {"hour": 11, "minute": 23}
